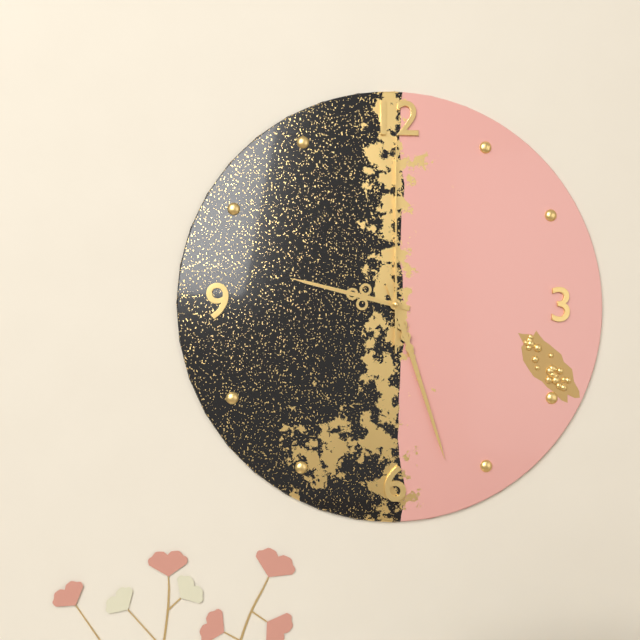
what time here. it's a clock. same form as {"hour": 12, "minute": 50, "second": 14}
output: {"hour": 9, "minute": 27, "second": 0}
